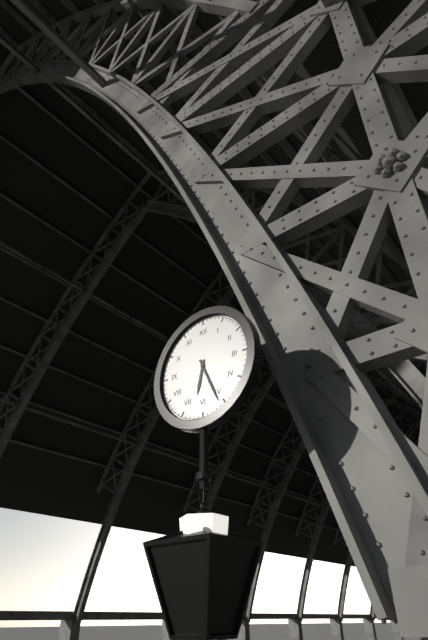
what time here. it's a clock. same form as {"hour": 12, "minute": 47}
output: {"hour": 6, "minute": 26}
